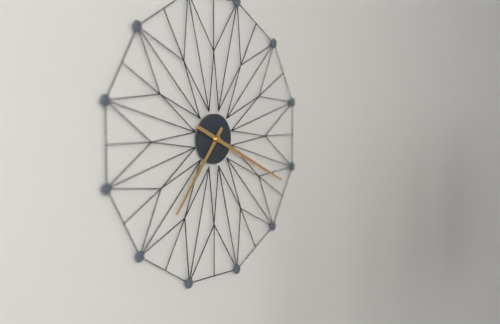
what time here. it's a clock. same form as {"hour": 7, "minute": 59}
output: {"hour": 7, "minute": 19}
